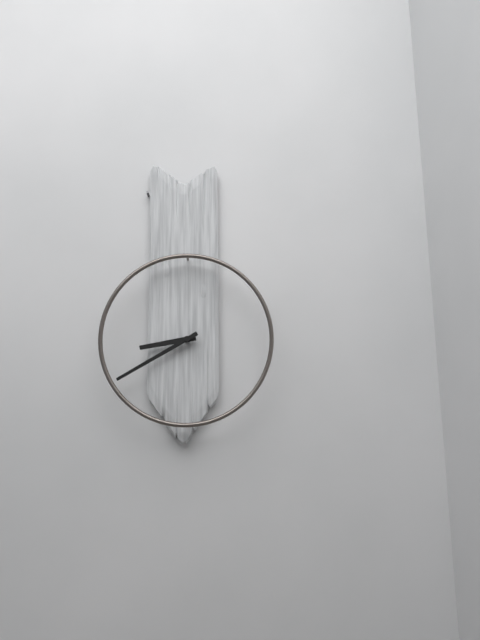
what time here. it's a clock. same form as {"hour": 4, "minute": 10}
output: {"hour": 8, "minute": 40}
